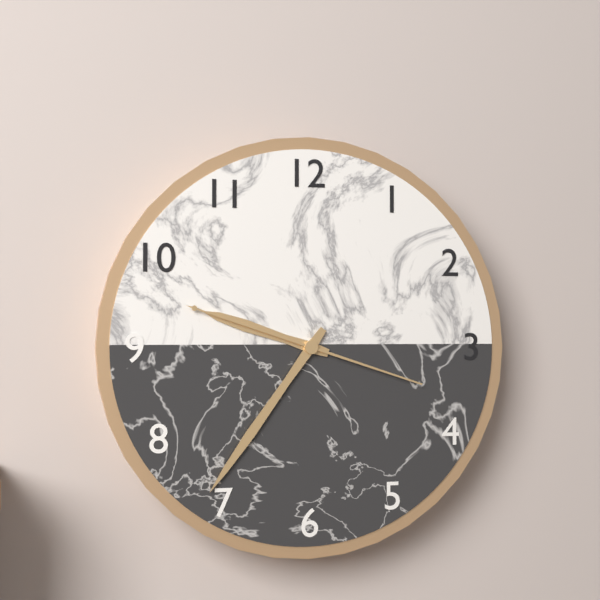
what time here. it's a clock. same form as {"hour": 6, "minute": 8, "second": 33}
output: {"hour": 9, "minute": 36, "second": 48}
